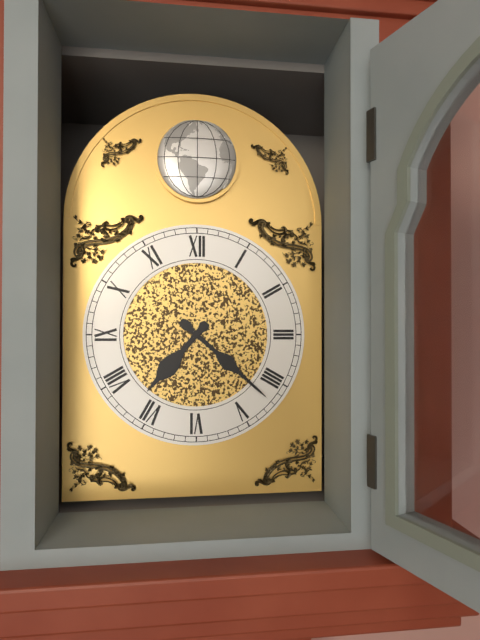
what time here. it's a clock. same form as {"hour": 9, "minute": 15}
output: {"hour": 7, "minute": 22}
